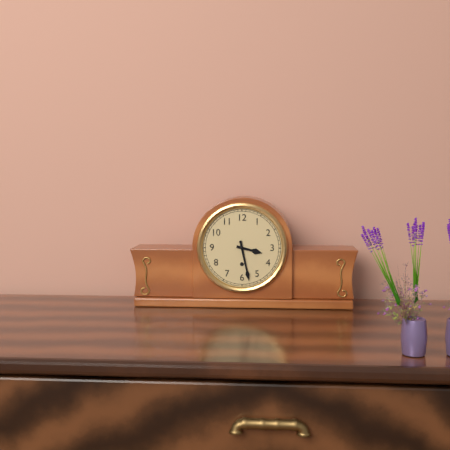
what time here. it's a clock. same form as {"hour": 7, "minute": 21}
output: {"hour": 3, "minute": 28}
